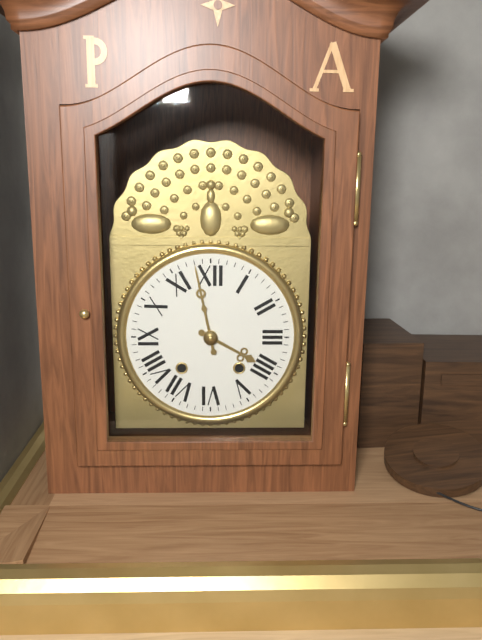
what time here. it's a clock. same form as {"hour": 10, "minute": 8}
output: {"hour": 3, "minute": 58}
